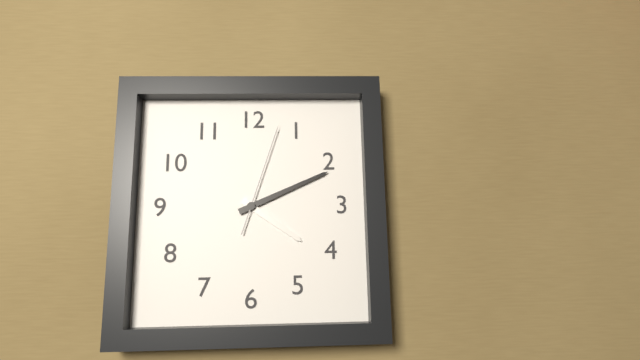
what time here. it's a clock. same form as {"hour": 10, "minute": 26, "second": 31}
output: {"hour": 4, "minute": 11, "second": 3}
